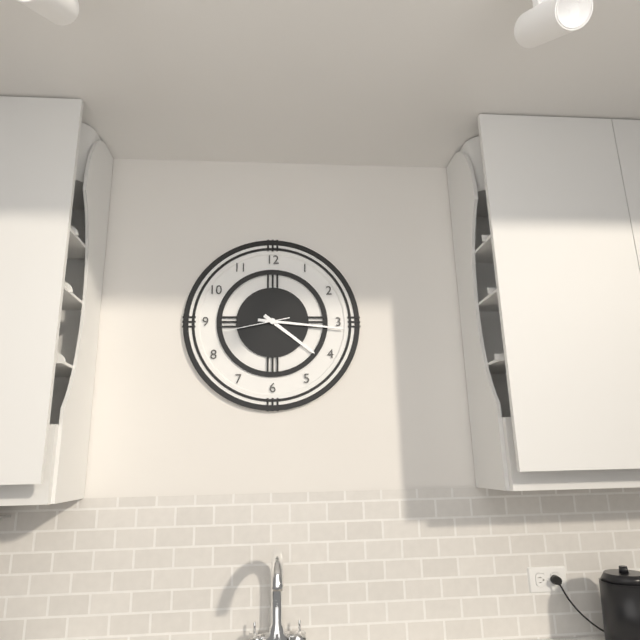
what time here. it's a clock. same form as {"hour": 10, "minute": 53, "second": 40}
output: {"hour": 4, "minute": 16, "second": 43}
